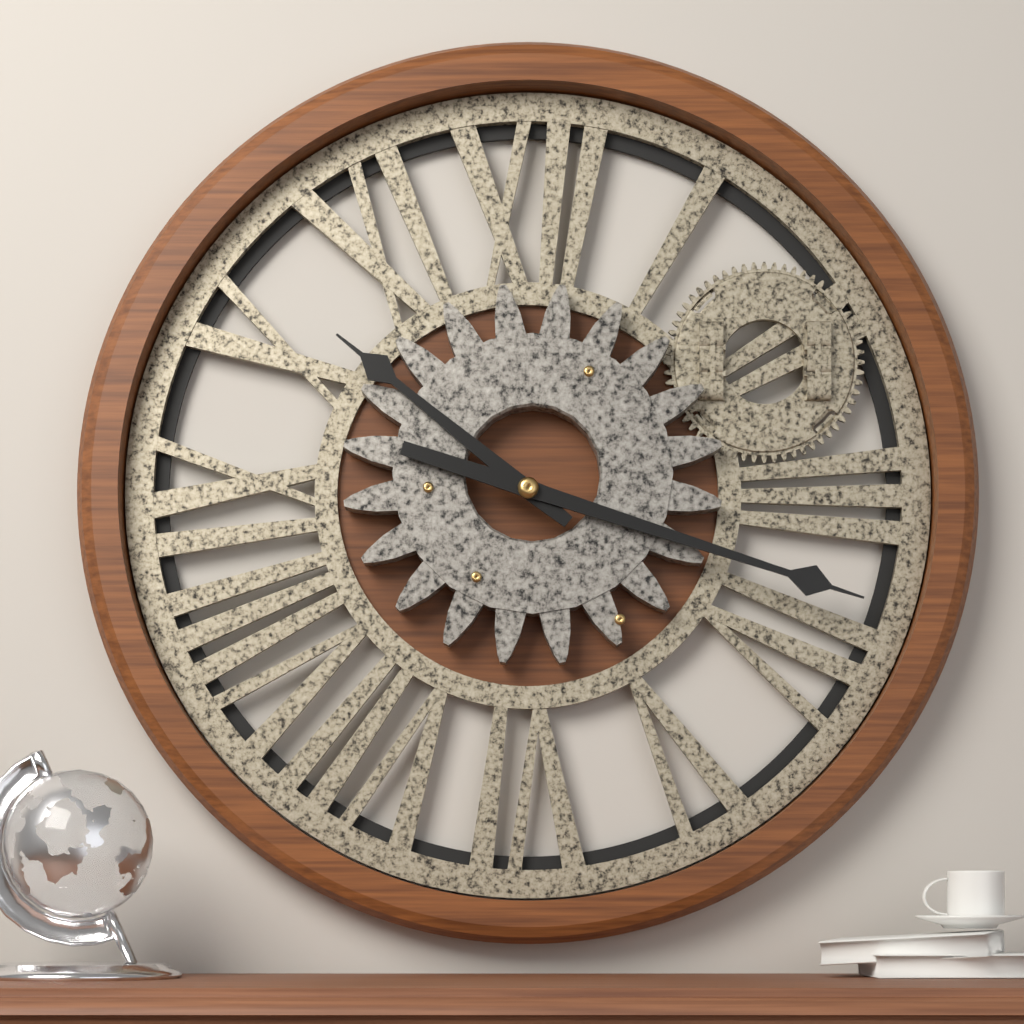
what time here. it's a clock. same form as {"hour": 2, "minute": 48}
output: {"hour": 10, "minute": 18}
